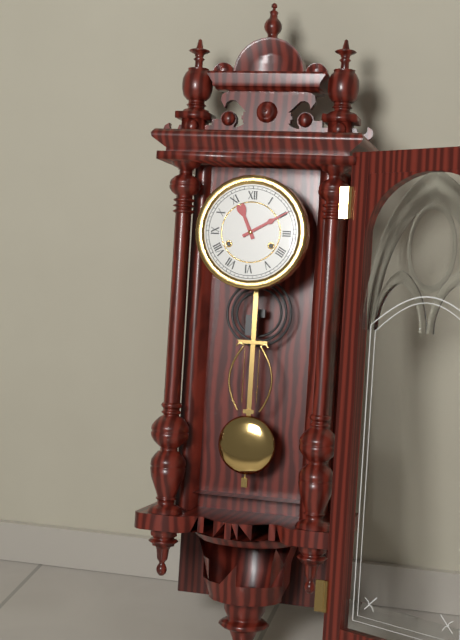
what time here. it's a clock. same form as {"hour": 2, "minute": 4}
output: {"hour": 11, "minute": 10}
